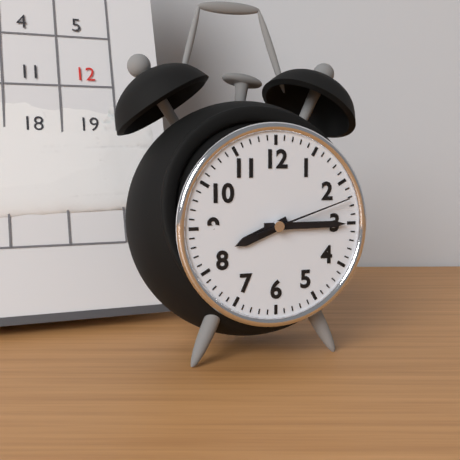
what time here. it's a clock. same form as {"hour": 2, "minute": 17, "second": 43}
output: {"hour": 8, "minute": 15, "second": 12}
